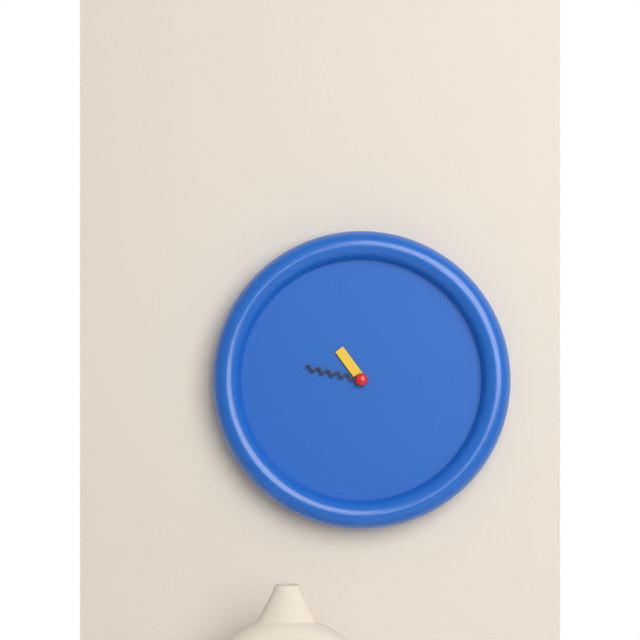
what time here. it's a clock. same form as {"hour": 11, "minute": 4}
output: {"hour": 10, "minute": 47}
